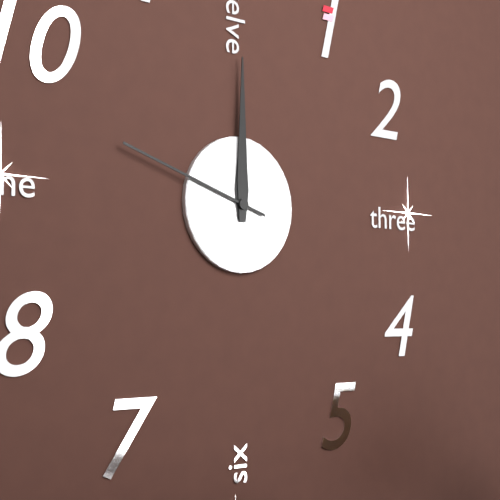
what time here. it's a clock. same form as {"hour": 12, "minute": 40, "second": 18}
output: {"hour": 12, "minute": 0, "second": 48}
